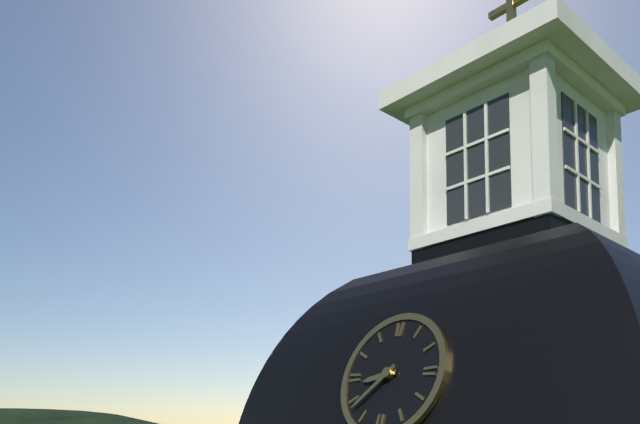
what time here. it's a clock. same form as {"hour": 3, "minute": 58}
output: {"hour": 8, "minute": 38}
